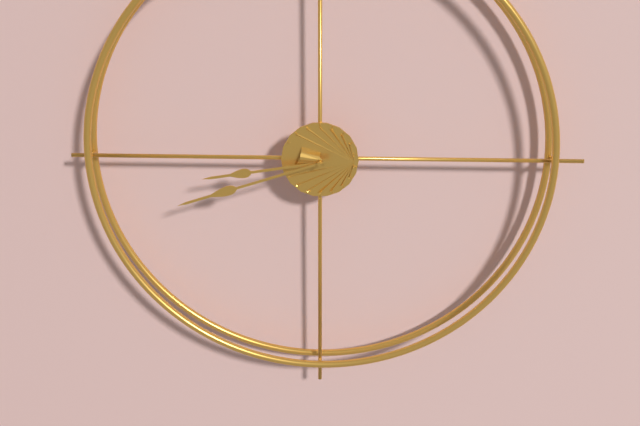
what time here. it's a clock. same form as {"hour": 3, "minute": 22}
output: {"hour": 8, "minute": 42}
